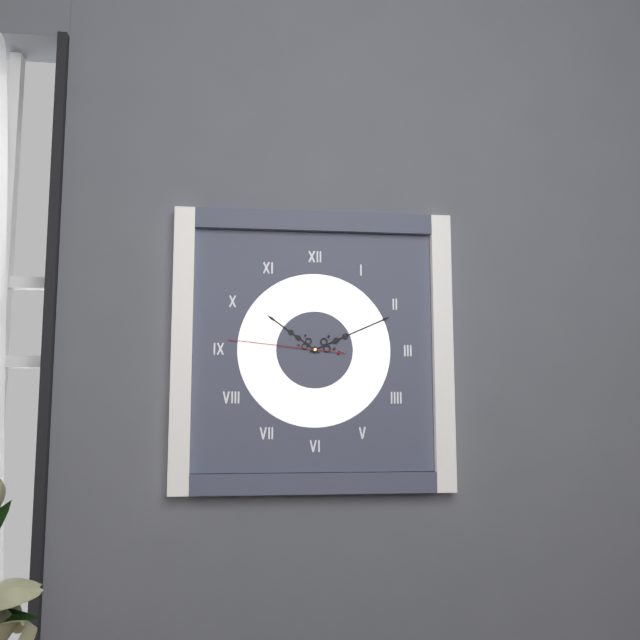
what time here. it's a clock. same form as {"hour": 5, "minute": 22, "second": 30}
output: {"hour": 10, "minute": 11, "second": 46}
